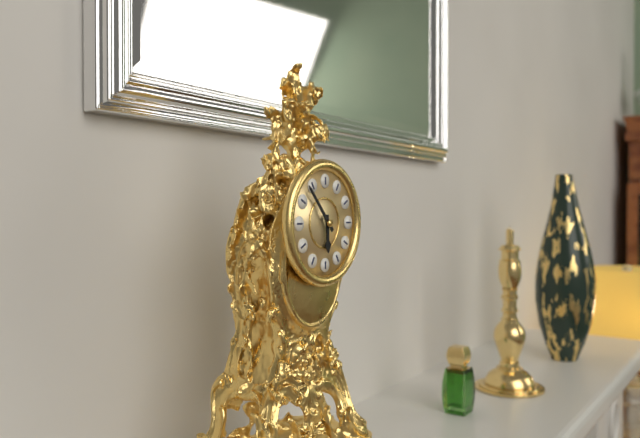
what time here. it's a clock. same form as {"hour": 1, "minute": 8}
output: {"hour": 5, "minute": 53}
